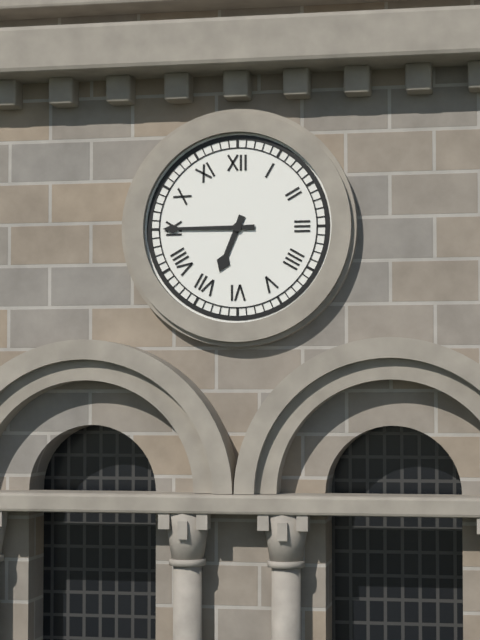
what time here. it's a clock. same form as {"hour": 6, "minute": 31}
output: {"hour": 6, "minute": 45}
